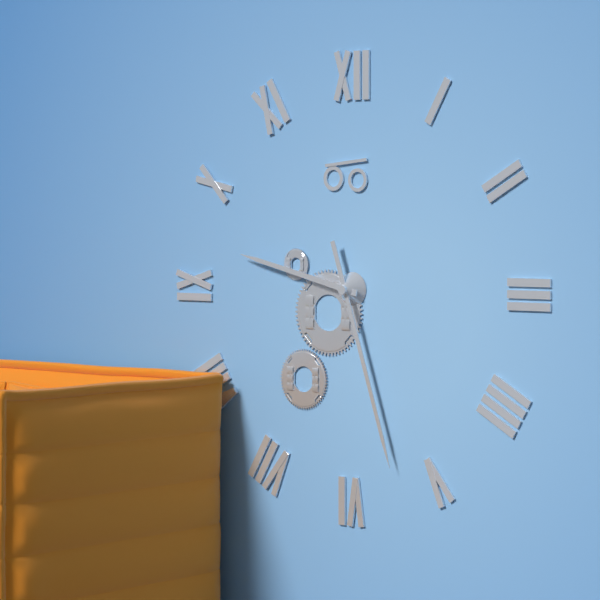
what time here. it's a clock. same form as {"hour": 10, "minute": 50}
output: {"hour": 9, "minute": 27}
